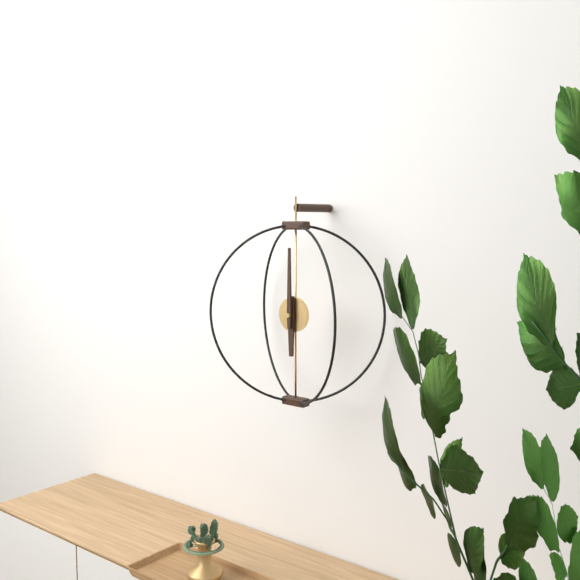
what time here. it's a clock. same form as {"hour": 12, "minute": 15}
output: {"hour": 6, "minute": 0}
